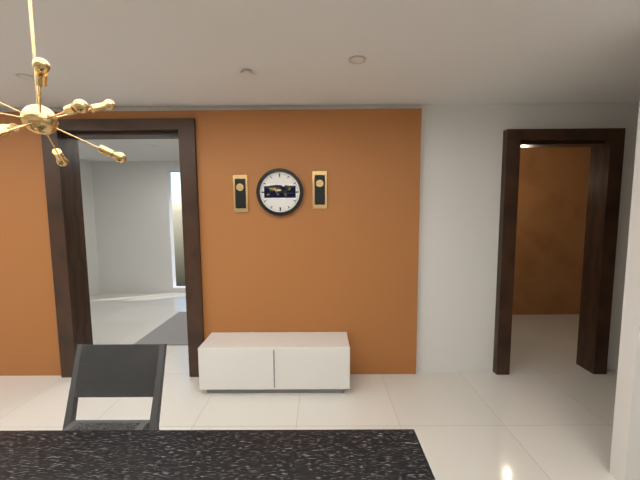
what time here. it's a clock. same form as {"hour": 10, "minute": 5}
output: {"hour": 2, "minute": 16}
